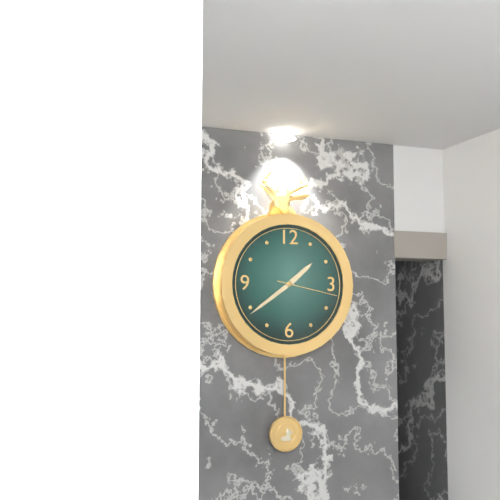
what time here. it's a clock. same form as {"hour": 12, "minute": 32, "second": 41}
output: {"hour": 1, "minute": 39, "second": 17}
